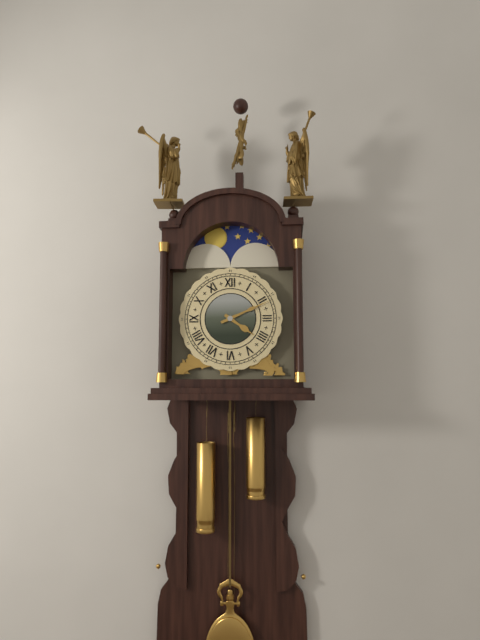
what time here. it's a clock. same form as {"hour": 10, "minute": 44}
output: {"hour": 4, "minute": 11}
